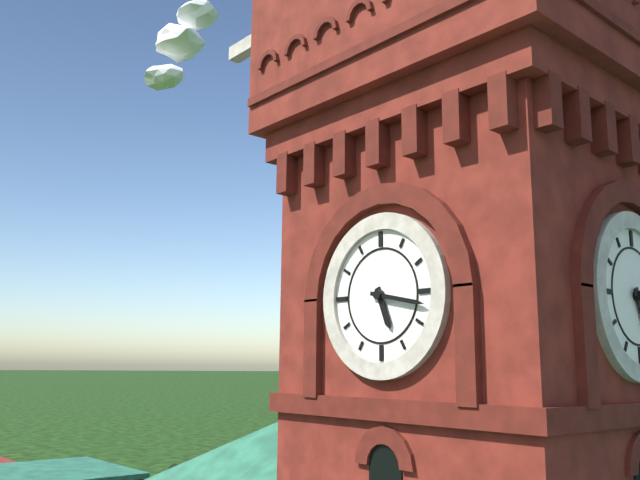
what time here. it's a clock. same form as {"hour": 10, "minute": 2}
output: {"hour": 5, "minute": 17}
